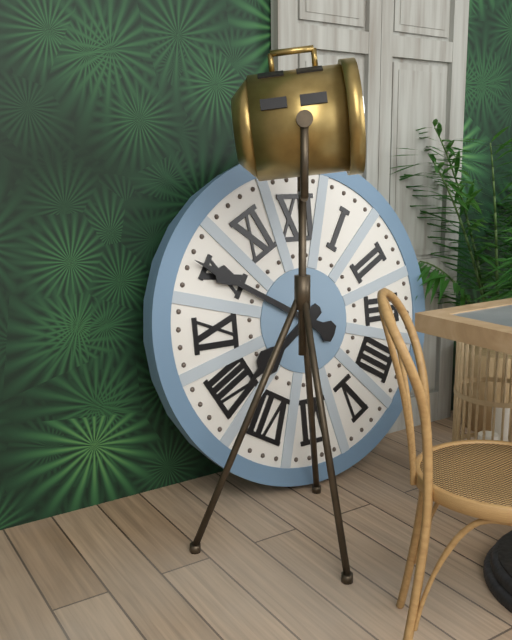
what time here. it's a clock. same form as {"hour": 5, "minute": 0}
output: {"hour": 7, "minute": 50}
